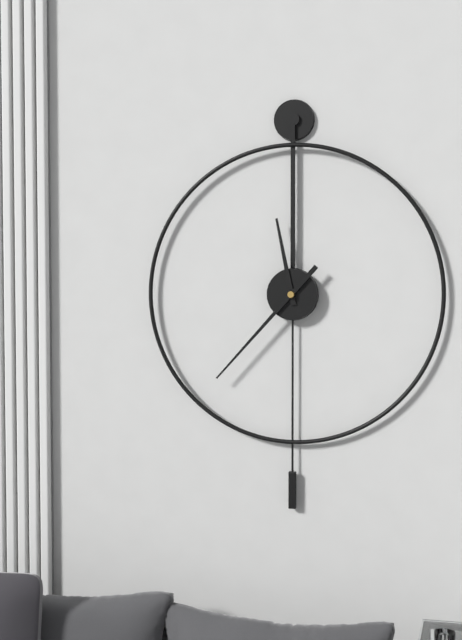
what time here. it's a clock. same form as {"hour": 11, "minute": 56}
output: {"hour": 11, "minute": 37}
